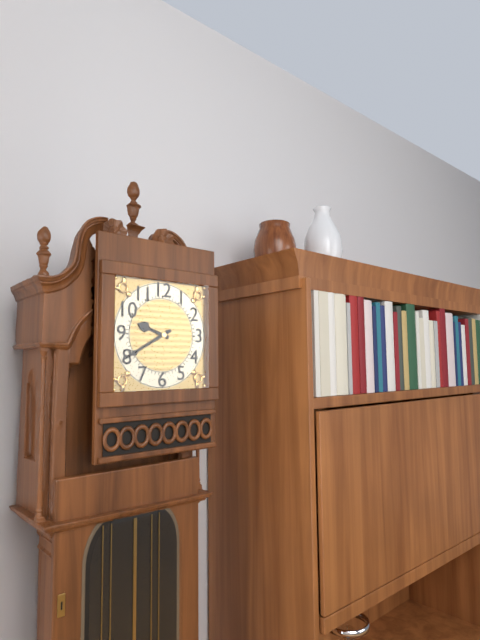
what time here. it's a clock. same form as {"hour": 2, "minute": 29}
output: {"hour": 9, "minute": 40}
